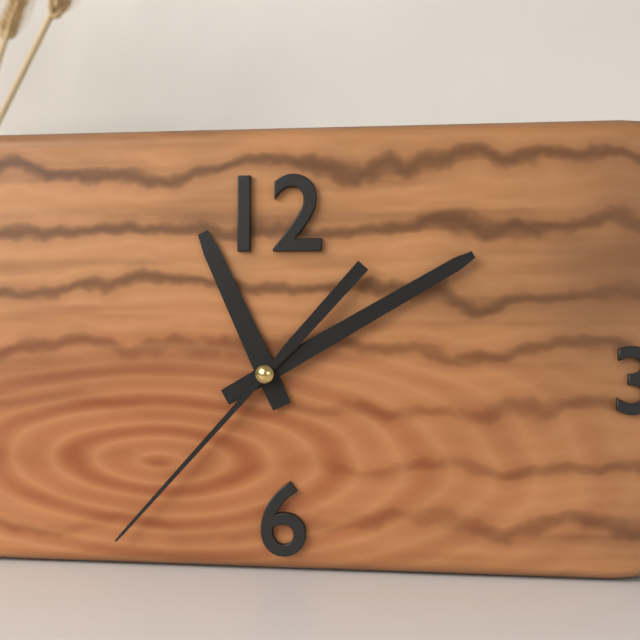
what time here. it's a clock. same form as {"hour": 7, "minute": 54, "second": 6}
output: {"hour": 11, "minute": 10, "second": 37}
